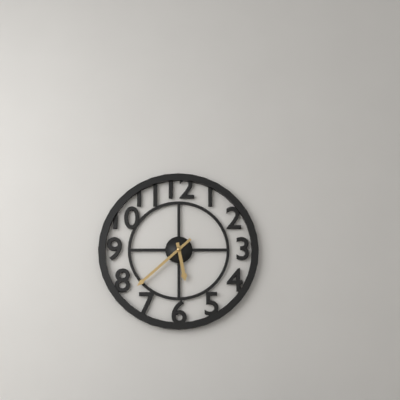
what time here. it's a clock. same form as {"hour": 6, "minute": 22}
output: {"hour": 5, "minute": 38}
